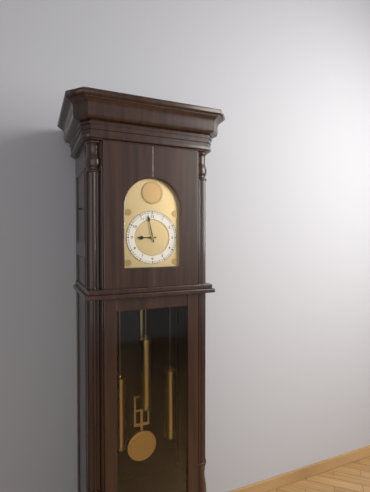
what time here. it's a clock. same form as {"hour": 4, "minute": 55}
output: {"hour": 8, "minute": 58}
